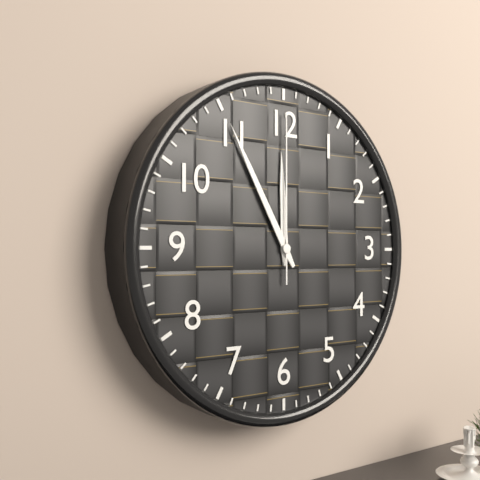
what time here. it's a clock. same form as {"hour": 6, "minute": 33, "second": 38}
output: {"hour": 11, "minute": 55, "second": 0}
